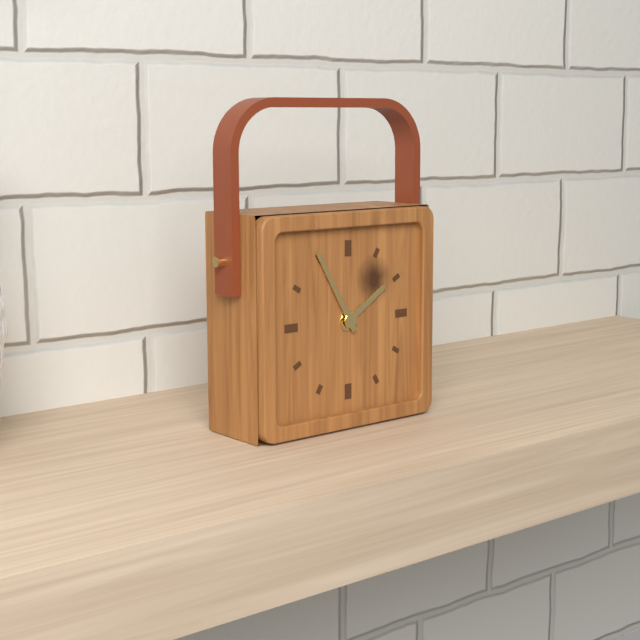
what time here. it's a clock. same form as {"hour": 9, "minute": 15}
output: {"hour": 1, "minute": 55}
